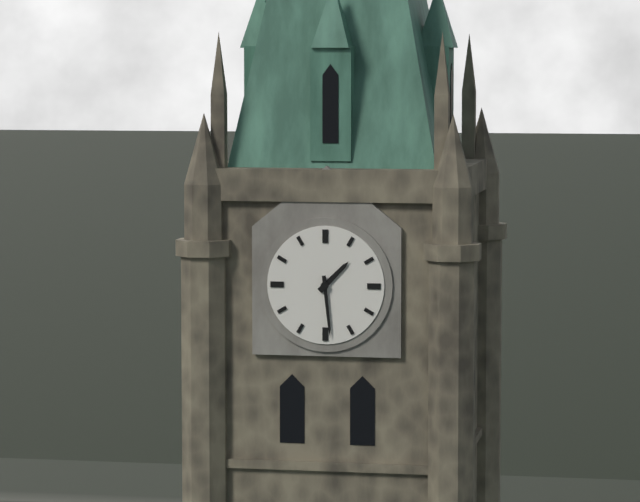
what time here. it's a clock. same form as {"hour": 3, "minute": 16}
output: {"hour": 1, "minute": 29}
